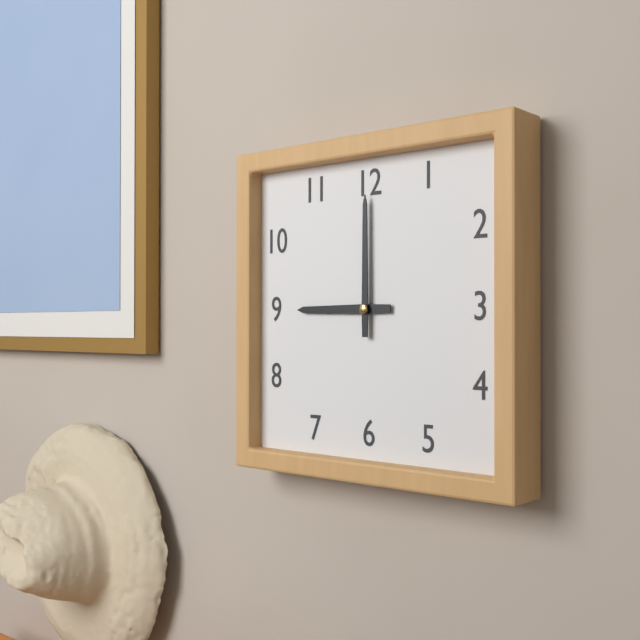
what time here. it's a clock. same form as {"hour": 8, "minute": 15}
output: {"hour": 9, "minute": 0}
